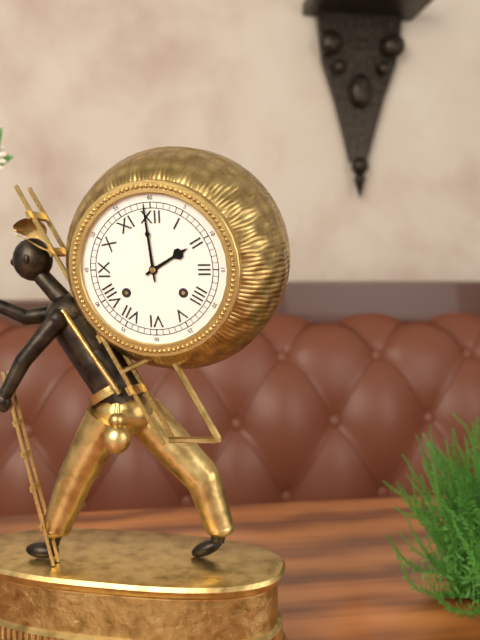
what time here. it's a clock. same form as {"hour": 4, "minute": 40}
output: {"hour": 1, "minute": 59}
